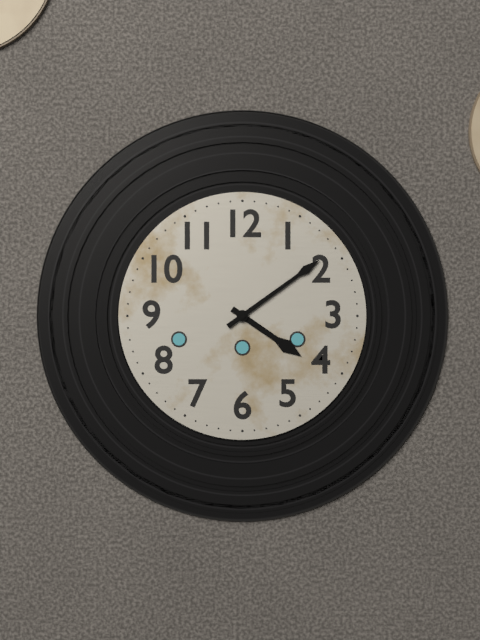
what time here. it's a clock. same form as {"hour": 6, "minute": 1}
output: {"hour": 4, "minute": 9}
